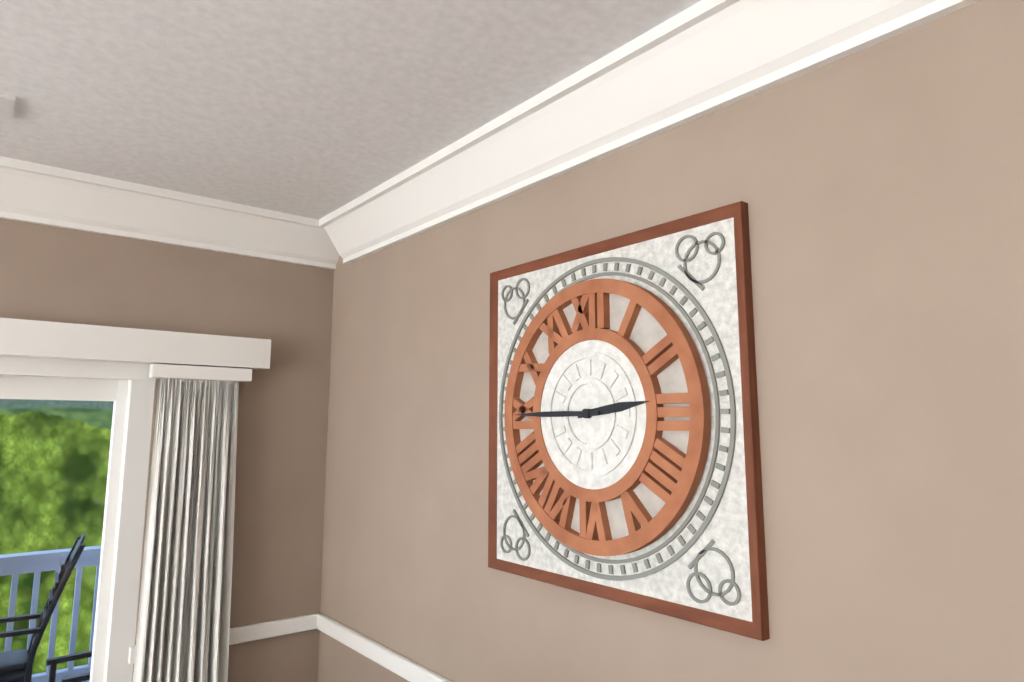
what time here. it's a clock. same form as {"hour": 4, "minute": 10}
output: {"hour": 2, "minute": 45}
